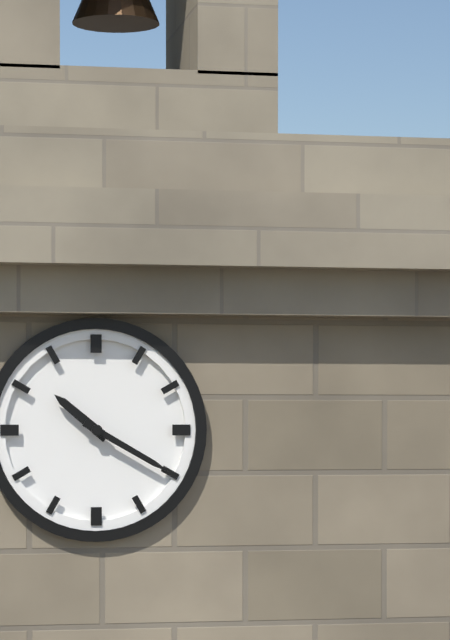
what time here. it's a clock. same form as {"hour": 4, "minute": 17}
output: {"hour": 10, "minute": 20}
